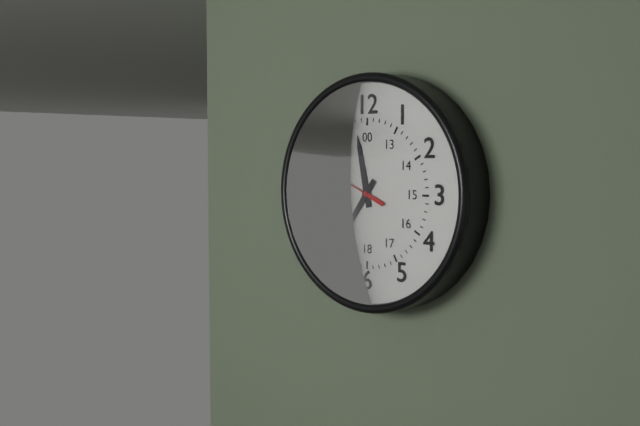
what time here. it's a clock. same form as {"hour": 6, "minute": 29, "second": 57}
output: {"hour": 11, "minute": 36, "second": 49}
